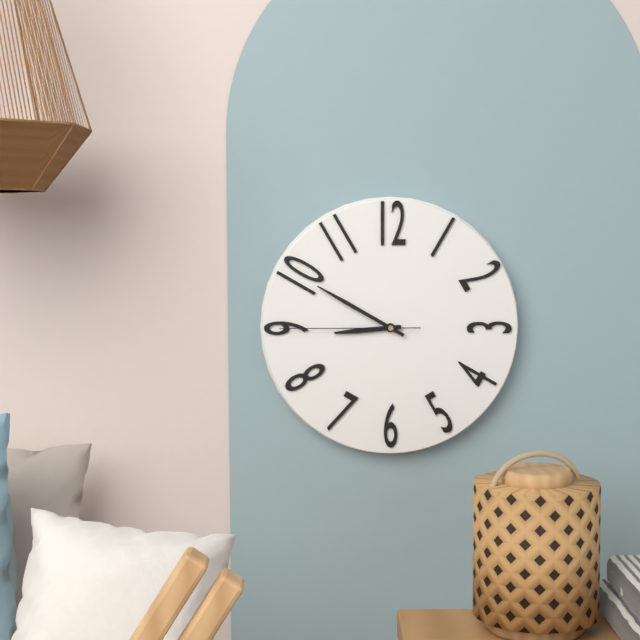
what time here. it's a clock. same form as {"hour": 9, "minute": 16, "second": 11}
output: {"hour": 8, "minute": 50, "second": 45}
